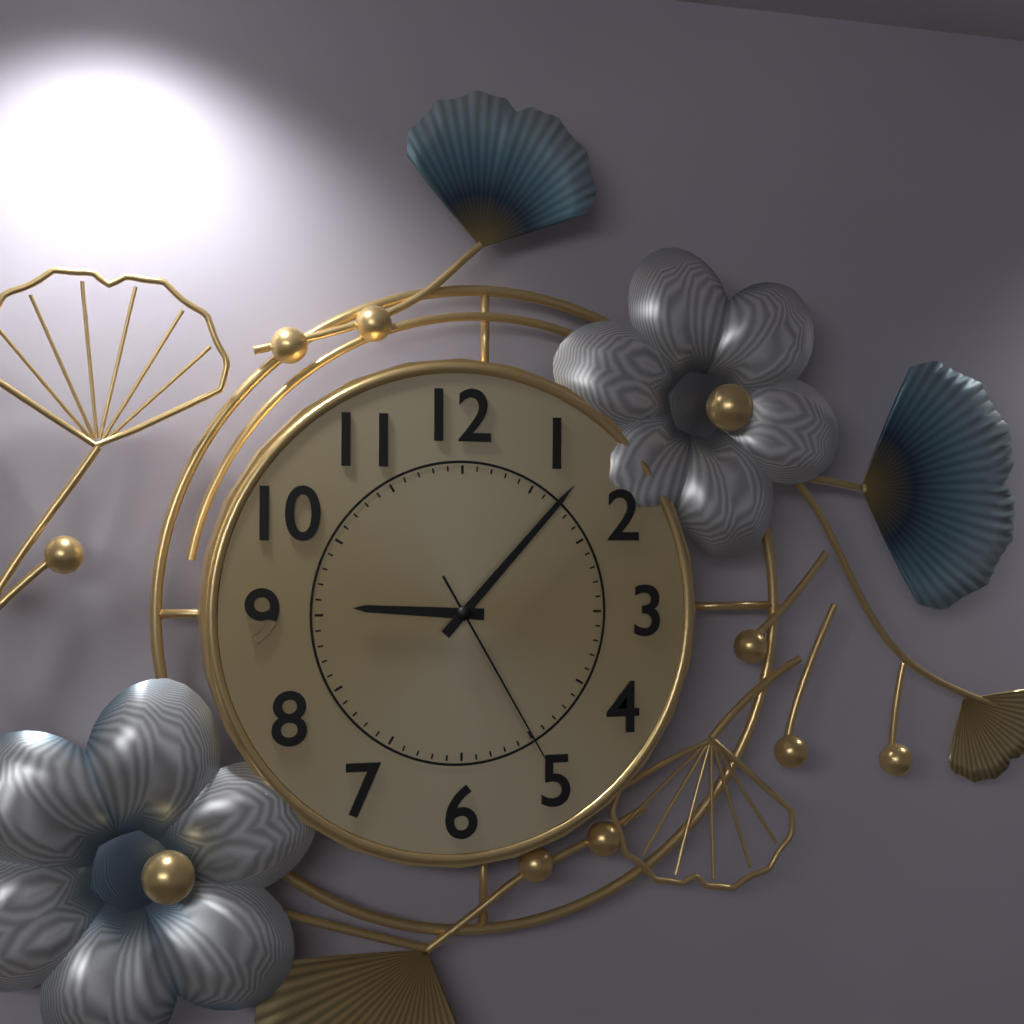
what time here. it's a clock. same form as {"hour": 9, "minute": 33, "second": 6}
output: {"hour": 9, "minute": 7, "second": 25}
